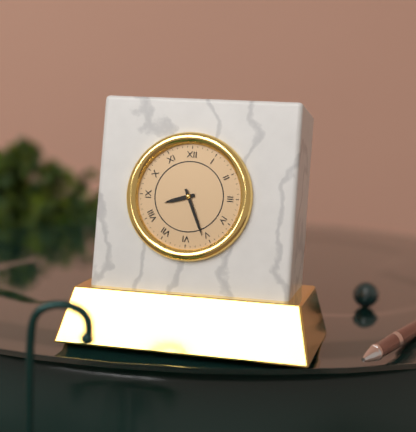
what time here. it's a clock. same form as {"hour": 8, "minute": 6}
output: {"hour": 8, "minute": 26}
